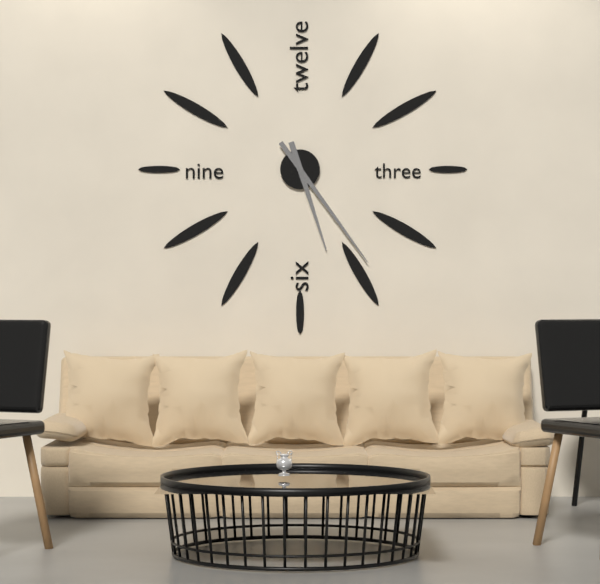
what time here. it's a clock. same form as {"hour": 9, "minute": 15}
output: {"hour": 5, "minute": 24}
